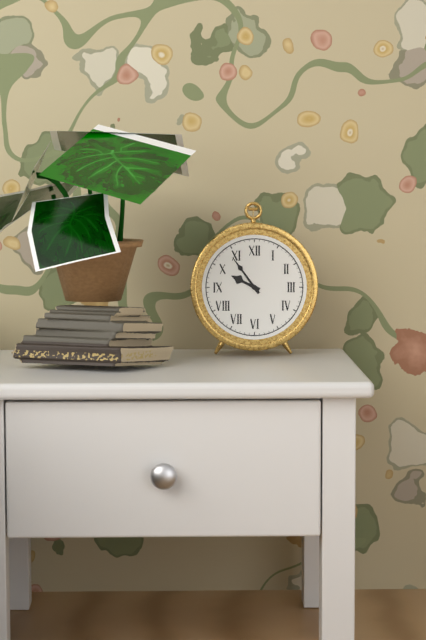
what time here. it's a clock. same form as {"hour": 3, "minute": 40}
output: {"hour": 9, "minute": 54}
